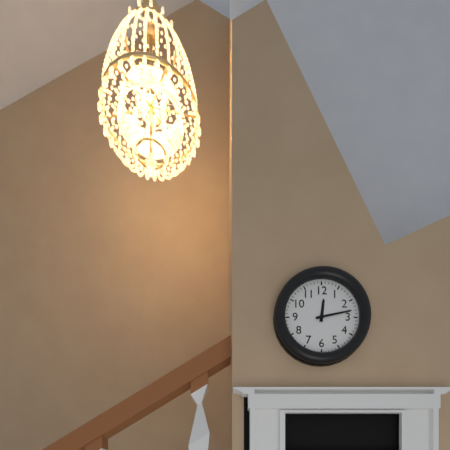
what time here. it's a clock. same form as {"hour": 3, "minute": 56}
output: {"hour": 12, "minute": 13}
